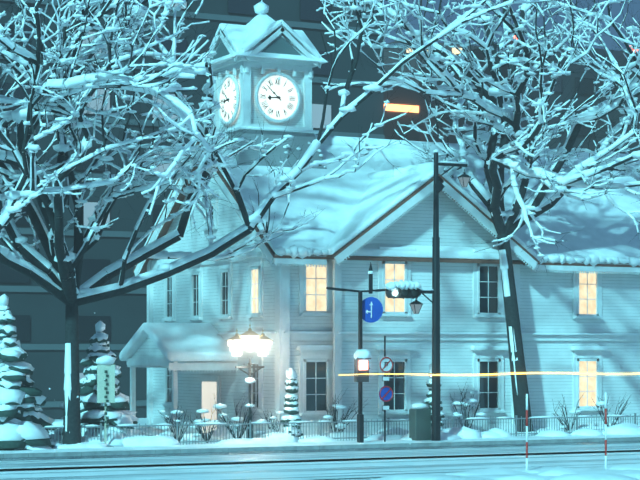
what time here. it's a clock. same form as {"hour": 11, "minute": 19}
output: {"hour": 8, "minute": 52}
